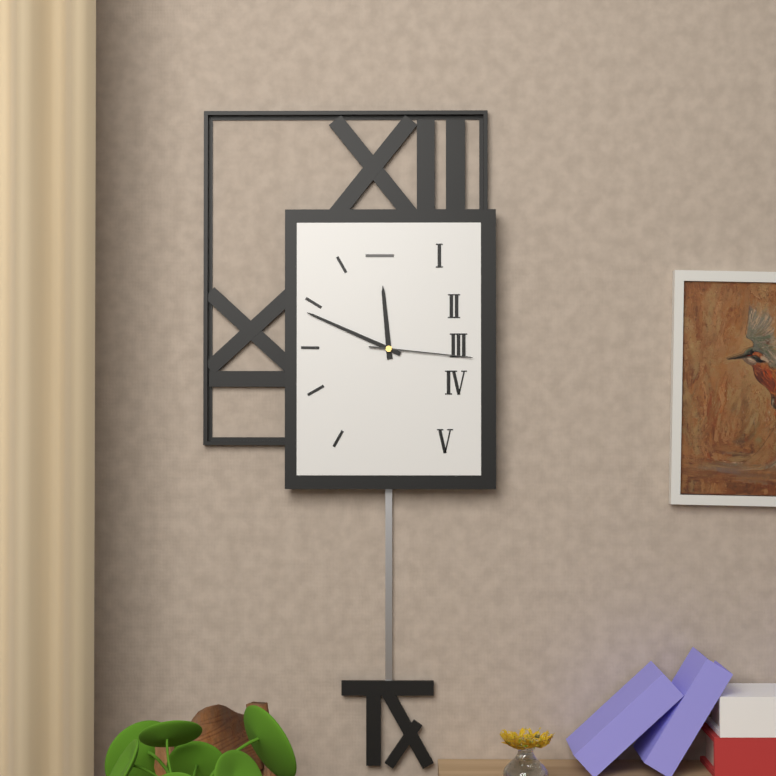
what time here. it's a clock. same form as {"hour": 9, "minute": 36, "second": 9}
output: {"hour": 11, "minute": 49, "second": 16}
